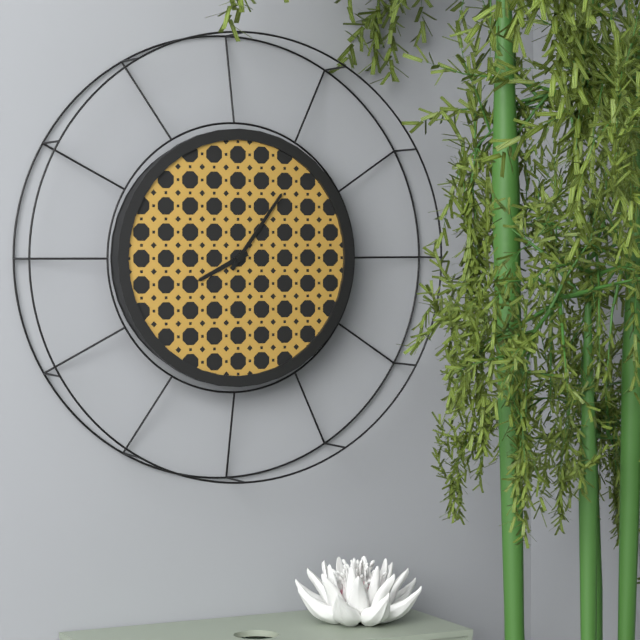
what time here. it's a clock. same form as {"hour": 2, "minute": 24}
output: {"hour": 8, "minute": 6}
